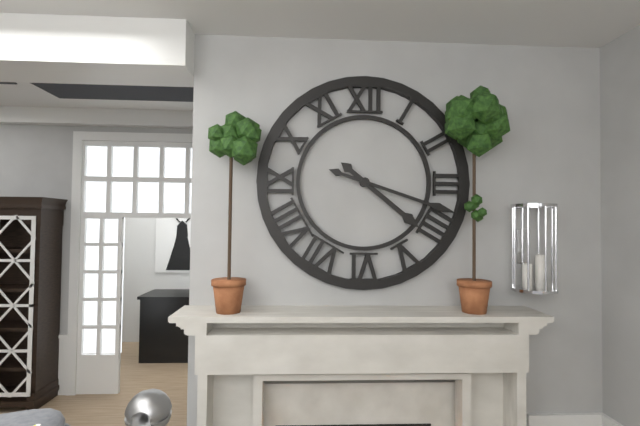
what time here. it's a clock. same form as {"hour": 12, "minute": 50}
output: {"hour": 4, "minute": 18}
